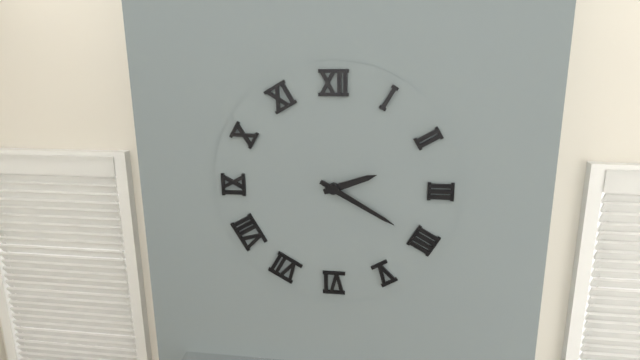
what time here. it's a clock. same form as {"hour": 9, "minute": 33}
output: {"hour": 2, "minute": 20}
